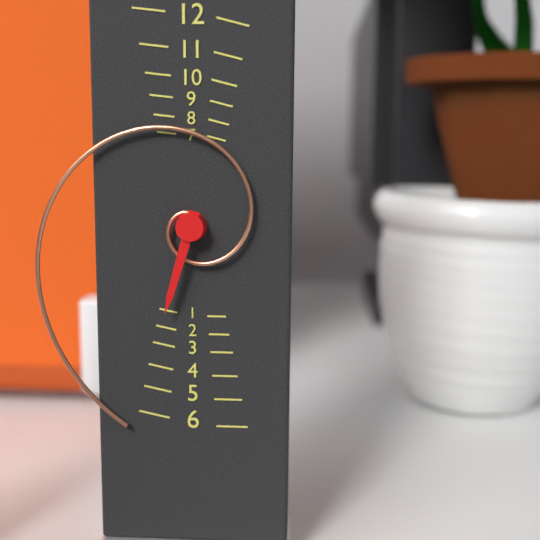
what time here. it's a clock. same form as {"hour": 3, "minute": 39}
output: {"hour": 6, "minute": 33}
